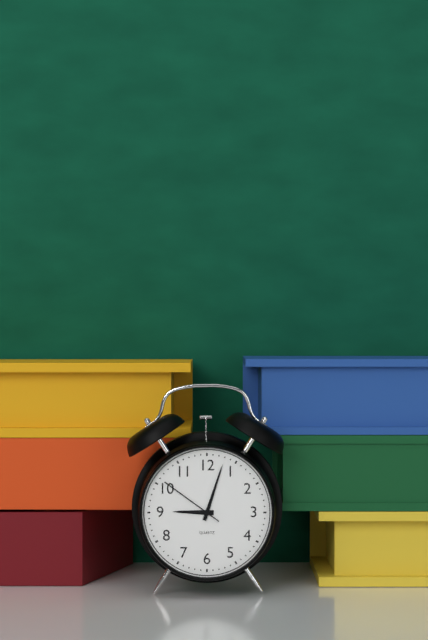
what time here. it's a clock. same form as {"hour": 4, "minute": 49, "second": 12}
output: {"hour": 9, "minute": 3, "second": 51}
